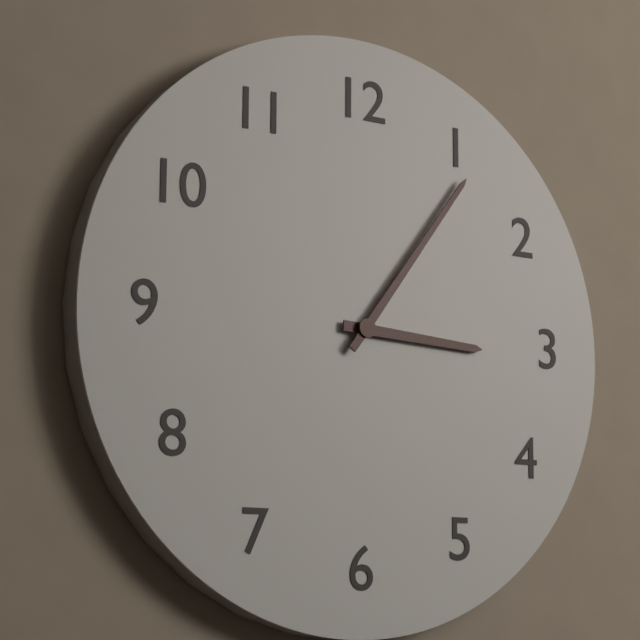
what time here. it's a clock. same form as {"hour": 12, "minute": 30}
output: {"hour": 3, "minute": 6}
